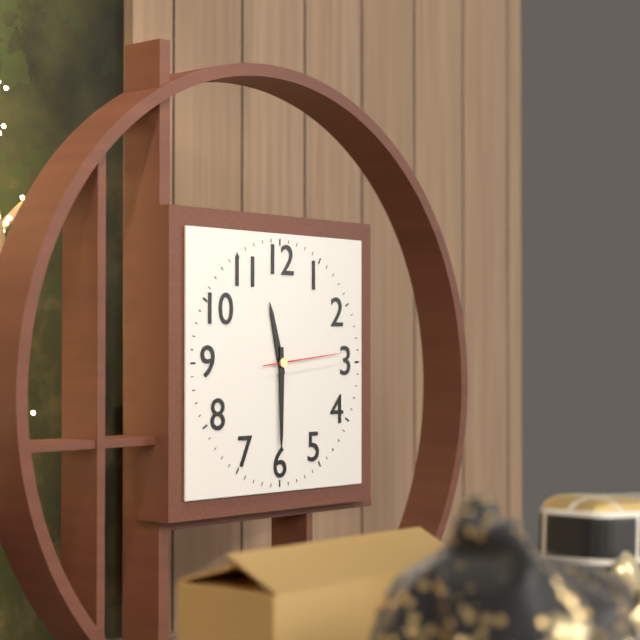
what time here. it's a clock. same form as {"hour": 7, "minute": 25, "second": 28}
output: {"hour": 11, "minute": 30, "second": 14}
